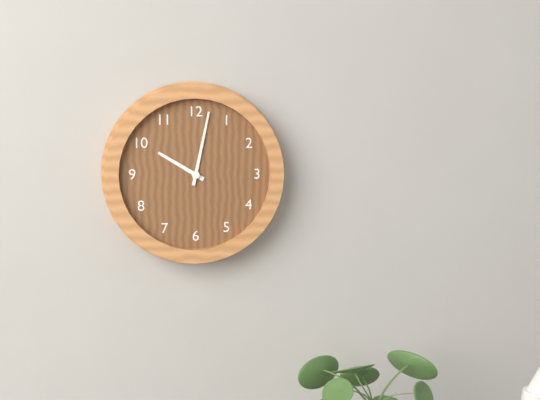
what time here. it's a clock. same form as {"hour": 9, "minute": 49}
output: {"hour": 10, "minute": 2}
